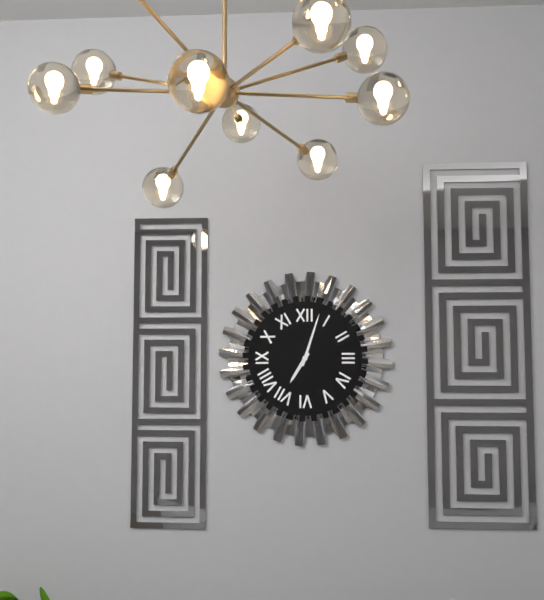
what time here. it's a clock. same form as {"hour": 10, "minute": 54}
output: {"hour": 7, "minute": 3}
